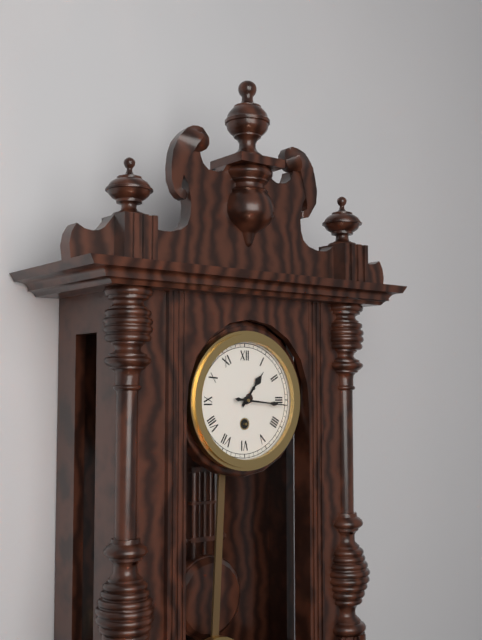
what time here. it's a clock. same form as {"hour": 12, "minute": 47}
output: {"hour": 1, "minute": 16}
